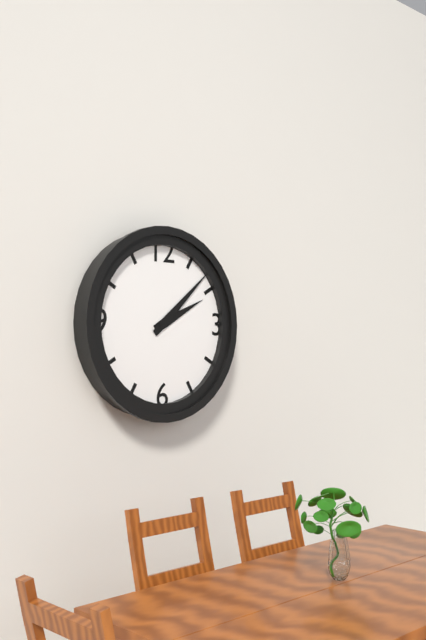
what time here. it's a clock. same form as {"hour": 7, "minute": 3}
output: {"hour": 2, "minute": 8}
